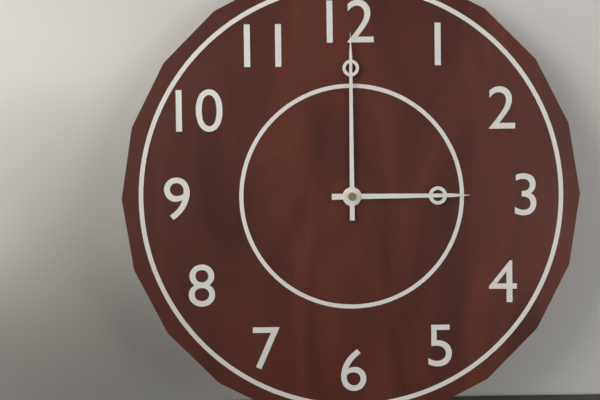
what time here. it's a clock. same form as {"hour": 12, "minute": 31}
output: {"hour": 3, "minute": 0}
